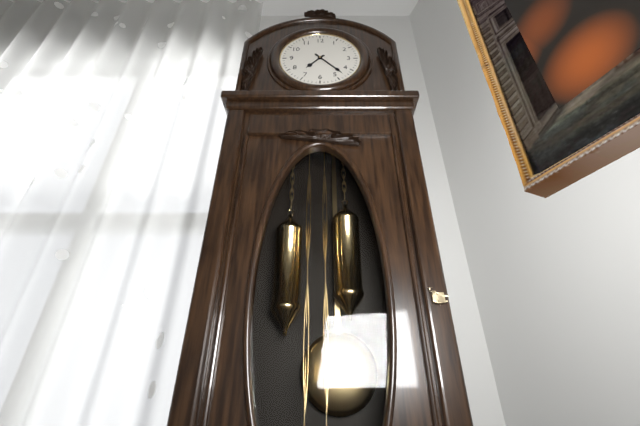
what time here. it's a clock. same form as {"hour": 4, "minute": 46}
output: {"hour": 7, "minute": 23}
